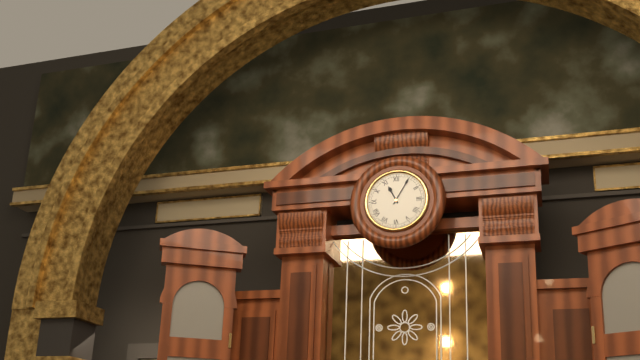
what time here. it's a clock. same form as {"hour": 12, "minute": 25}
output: {"hour": 11, "minute": 5}
